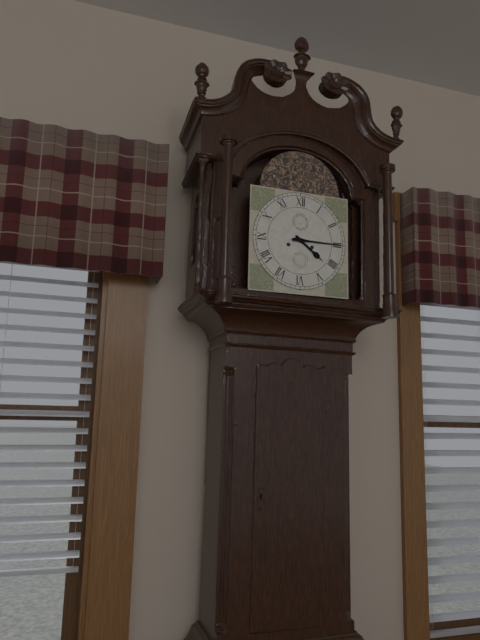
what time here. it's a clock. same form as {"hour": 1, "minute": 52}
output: {"hour": 4, "minute": 15}
